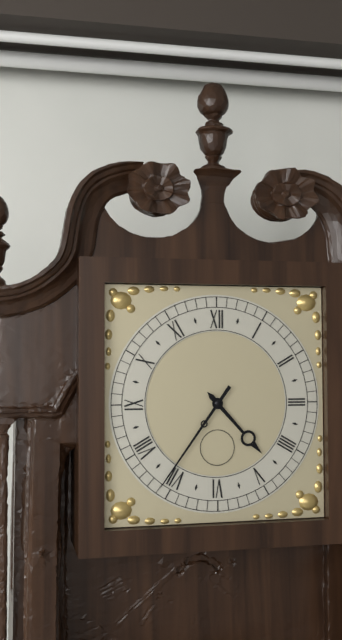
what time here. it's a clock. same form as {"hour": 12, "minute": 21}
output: {"hour": 4, "minute": 36}
